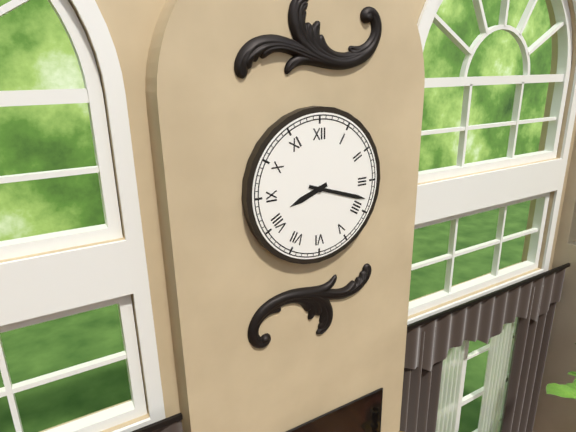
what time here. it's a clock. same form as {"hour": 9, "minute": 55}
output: {"hour": 8, "minute": 18}
